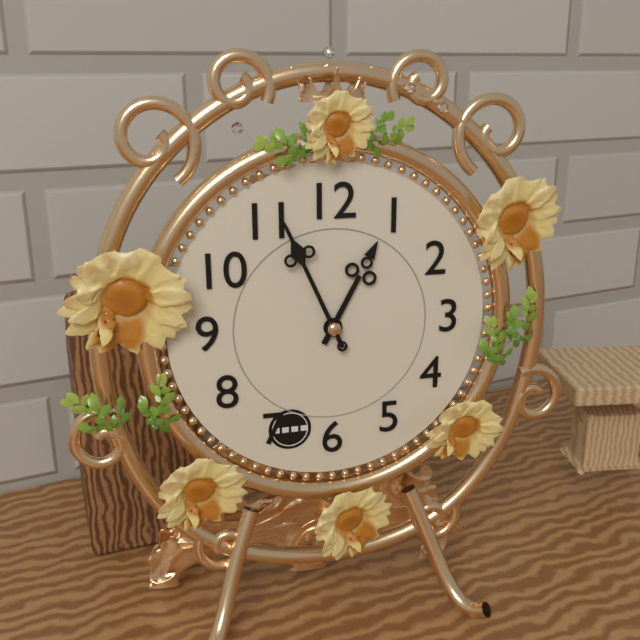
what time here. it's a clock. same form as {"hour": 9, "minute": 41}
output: {"hour": 12, "minute": 56}
